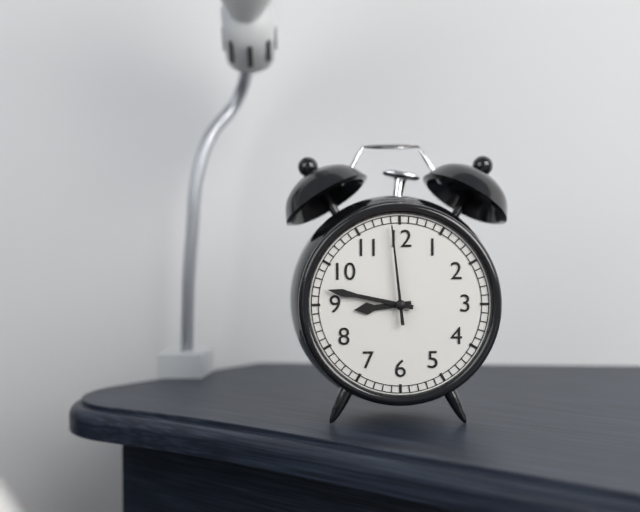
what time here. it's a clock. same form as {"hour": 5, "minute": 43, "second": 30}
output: {"hour": 8, "minute": 47, "second": 59}
